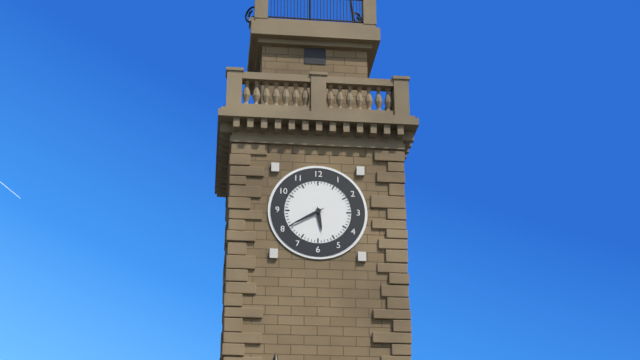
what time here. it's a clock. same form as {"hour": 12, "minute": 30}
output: {"hour": 5, "minute": 40}
